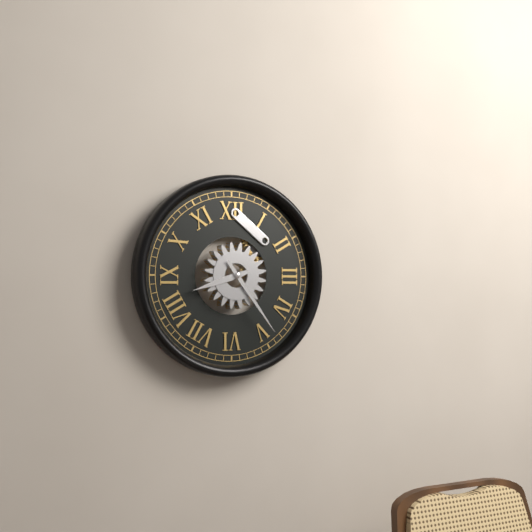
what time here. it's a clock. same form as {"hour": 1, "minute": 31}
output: {"hour": 8, "minute": 24}
